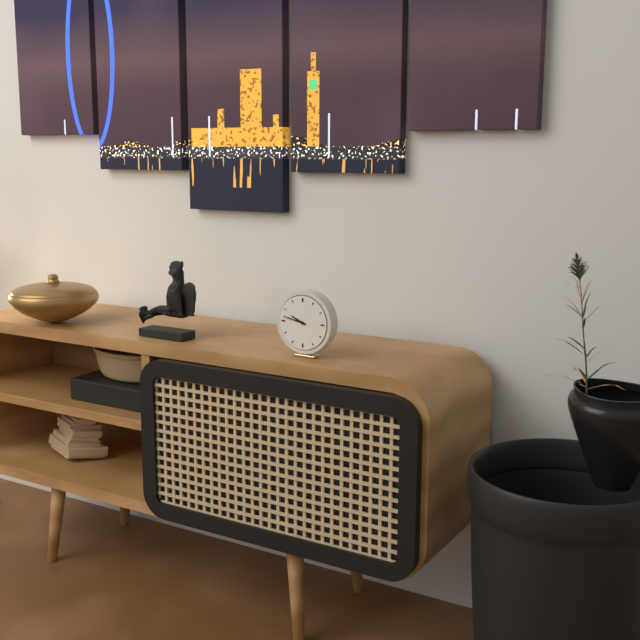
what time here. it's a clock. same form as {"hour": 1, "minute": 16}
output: {"hour": 9, "minute": 47}
